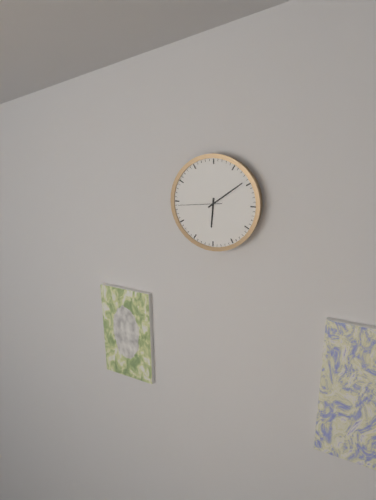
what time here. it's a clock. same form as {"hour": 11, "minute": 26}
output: {"hour": 6, "minute": 9}
